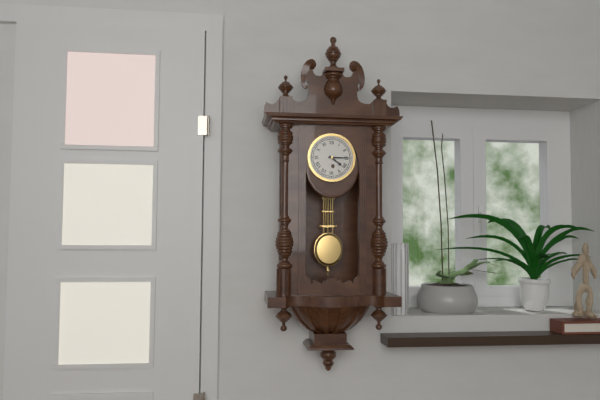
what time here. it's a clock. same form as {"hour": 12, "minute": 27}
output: {"hour": 4, "minute": 15}
